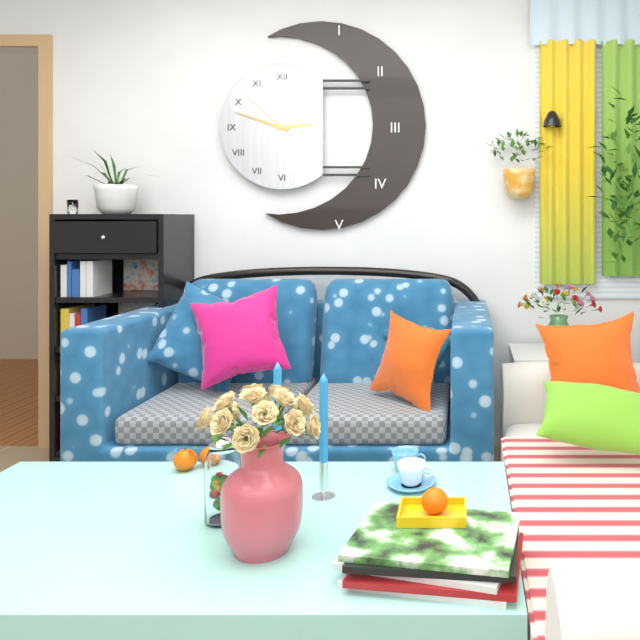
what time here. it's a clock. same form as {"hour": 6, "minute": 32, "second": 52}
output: {"hour": 2, "minute": 48, "second": 52}
